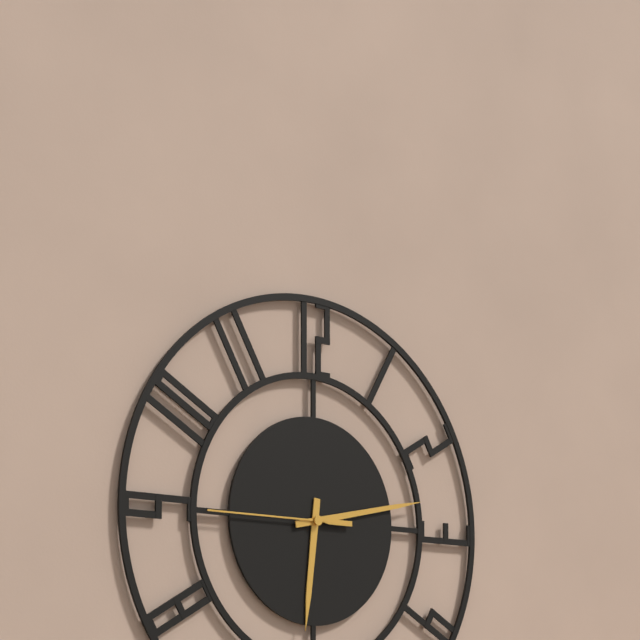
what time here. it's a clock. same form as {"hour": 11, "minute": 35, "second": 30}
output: {"hour": 6, "minute": 13, "second": 45}
